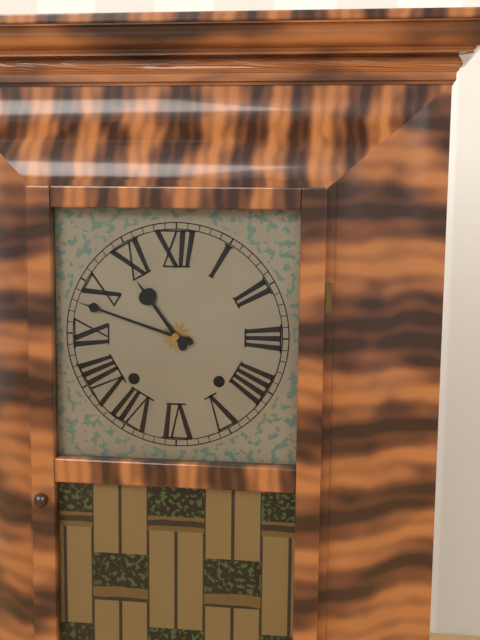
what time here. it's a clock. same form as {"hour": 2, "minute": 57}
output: {"hour": 10, "minute": 48}
